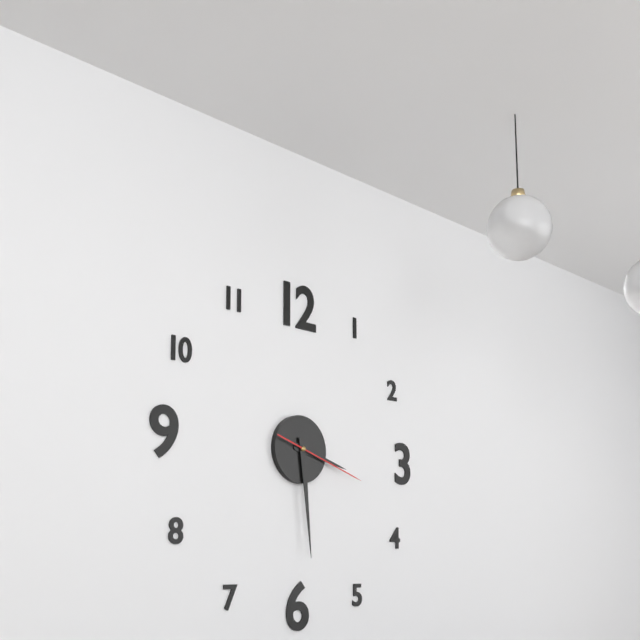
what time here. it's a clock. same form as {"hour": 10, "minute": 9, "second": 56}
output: {"hour": 3, "minute": 29, "second": 18}
